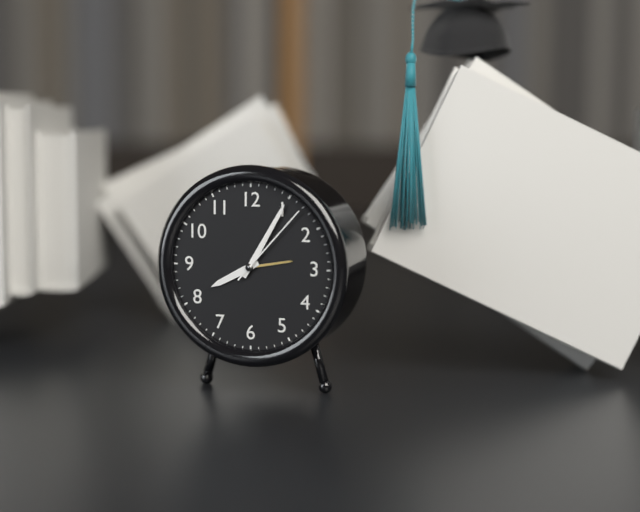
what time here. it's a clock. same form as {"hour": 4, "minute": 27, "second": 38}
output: {"hour": 8, "minute": 5, "second": 7}
